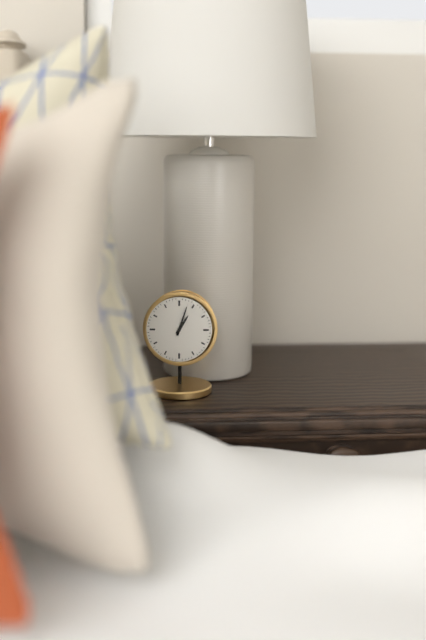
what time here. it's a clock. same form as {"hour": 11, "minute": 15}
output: {"hour": 1, "minute": 3}
